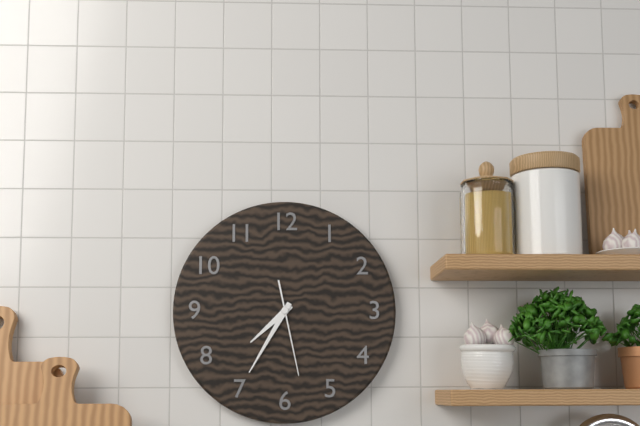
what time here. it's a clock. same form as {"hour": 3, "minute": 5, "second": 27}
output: {"hour": 7, "minute": 35, "second": 28}
